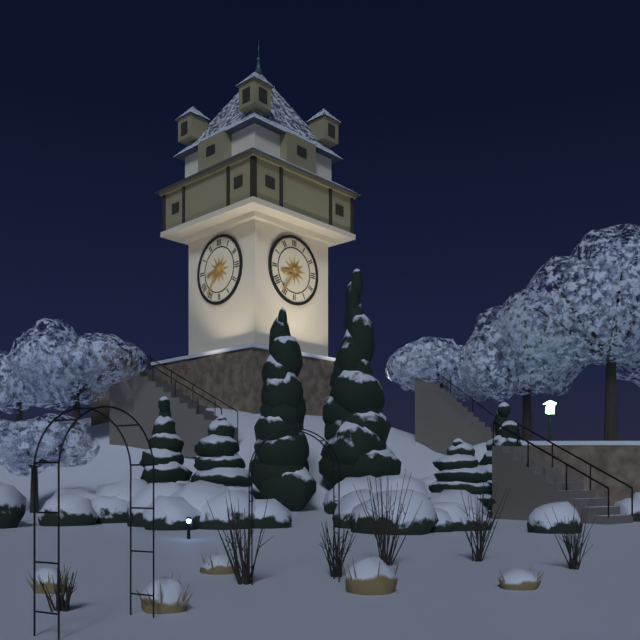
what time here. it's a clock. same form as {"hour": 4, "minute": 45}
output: {"hour": 8, "minute": 36}
